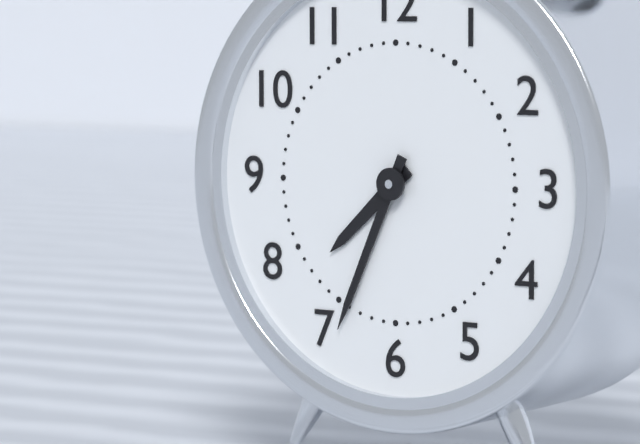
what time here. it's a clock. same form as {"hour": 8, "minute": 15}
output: {"hour": 7, "minute": 34}
